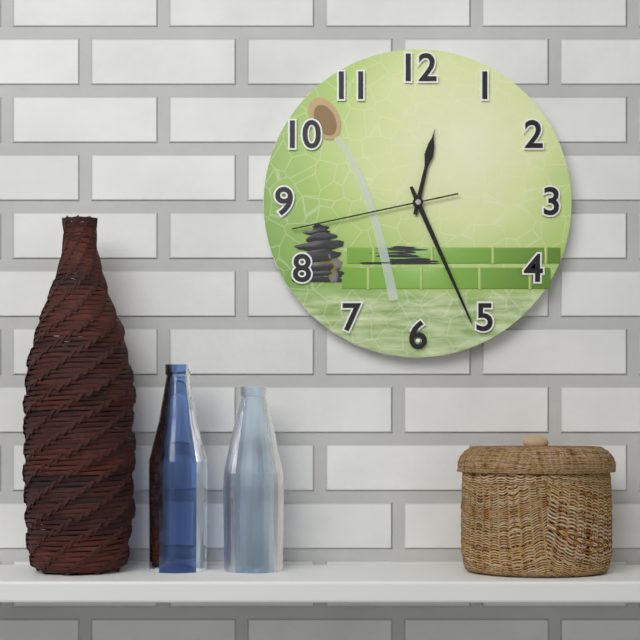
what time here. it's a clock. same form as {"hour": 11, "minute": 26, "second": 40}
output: {"hour": 12, "minute": 26, "second": 43}
